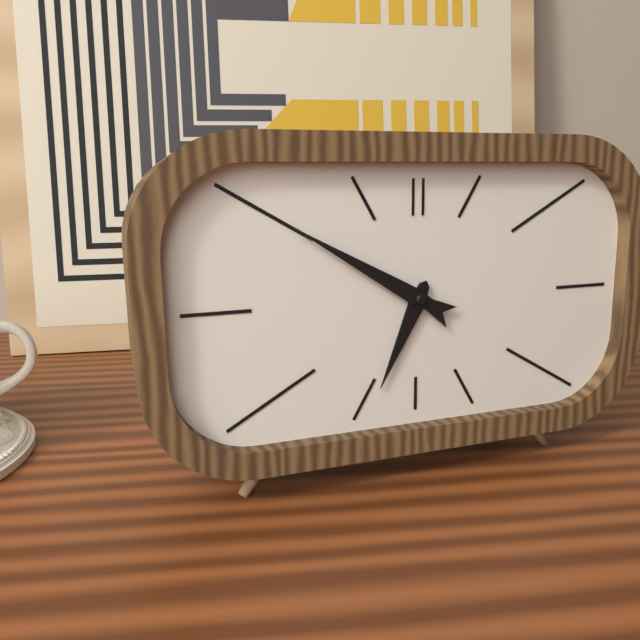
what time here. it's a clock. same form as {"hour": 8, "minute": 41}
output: {"hour": 6, "minute": 50}
